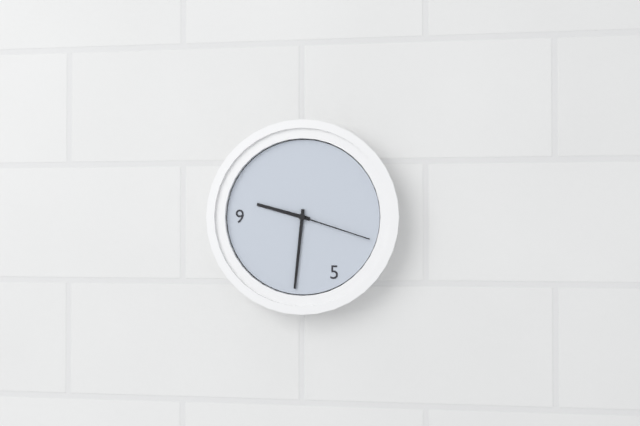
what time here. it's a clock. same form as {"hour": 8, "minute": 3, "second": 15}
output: {"hour": 9, "minute": 31, "second": 18}
